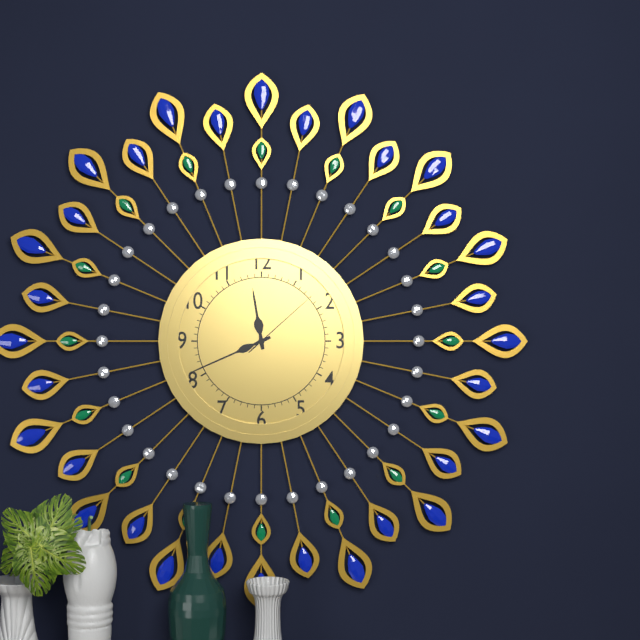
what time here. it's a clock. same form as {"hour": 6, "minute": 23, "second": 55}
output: {"hour": 11, "minute": 41, "second": 8}
